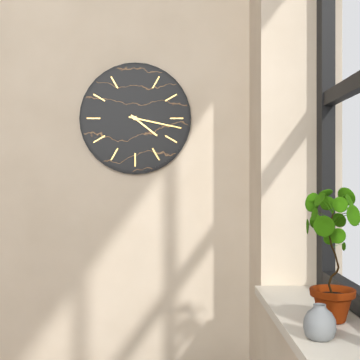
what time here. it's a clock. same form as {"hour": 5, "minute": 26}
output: {"hour": 4, "minute": 17}
